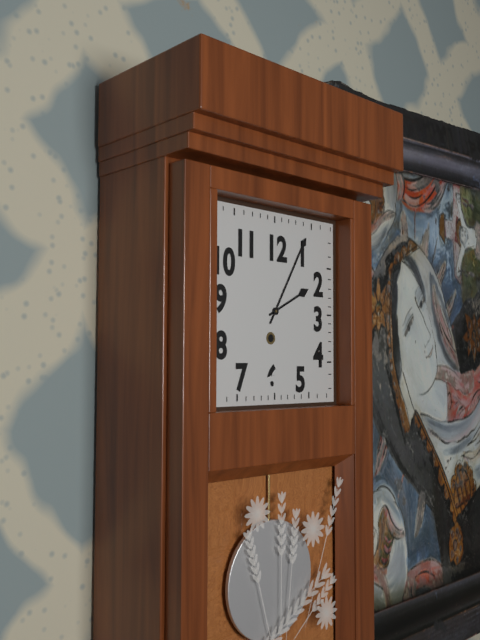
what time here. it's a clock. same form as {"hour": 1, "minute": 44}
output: {"hour": 2, "minute": 5}
